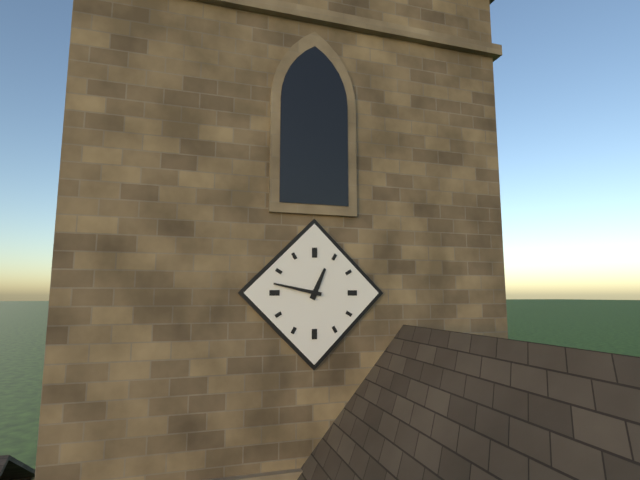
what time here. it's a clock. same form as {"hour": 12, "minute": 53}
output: {"hour": 12, "minute": 47}
